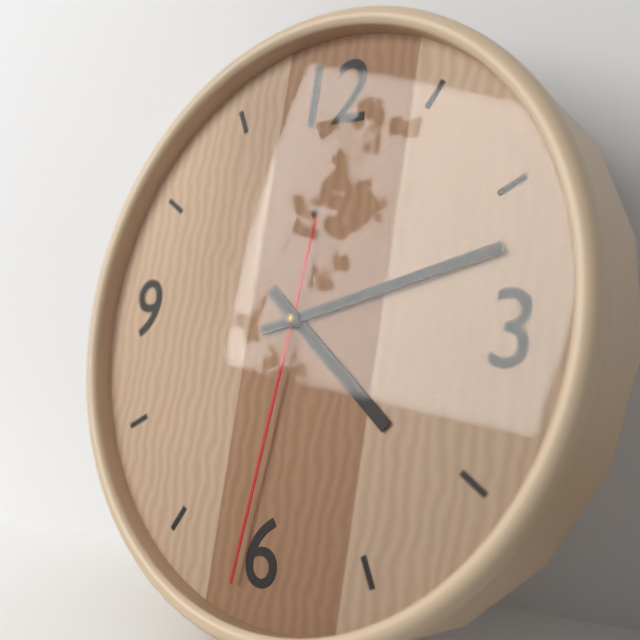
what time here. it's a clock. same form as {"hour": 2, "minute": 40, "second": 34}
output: {"hour": 4, "minute": 12, "second": 31}
